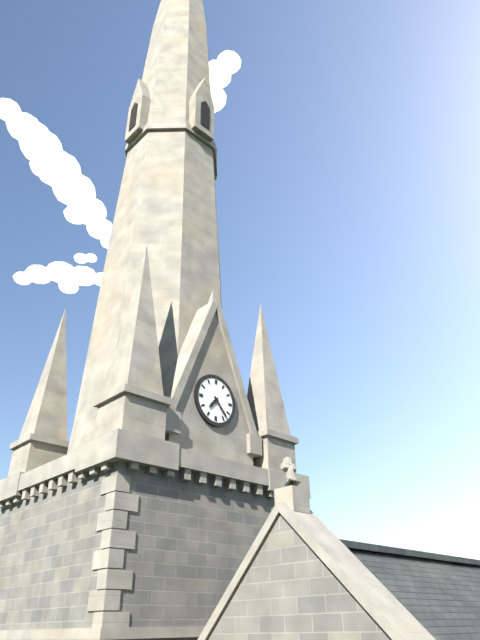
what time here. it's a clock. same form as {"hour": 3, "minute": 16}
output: {"hour": 7, "minute": 23}
